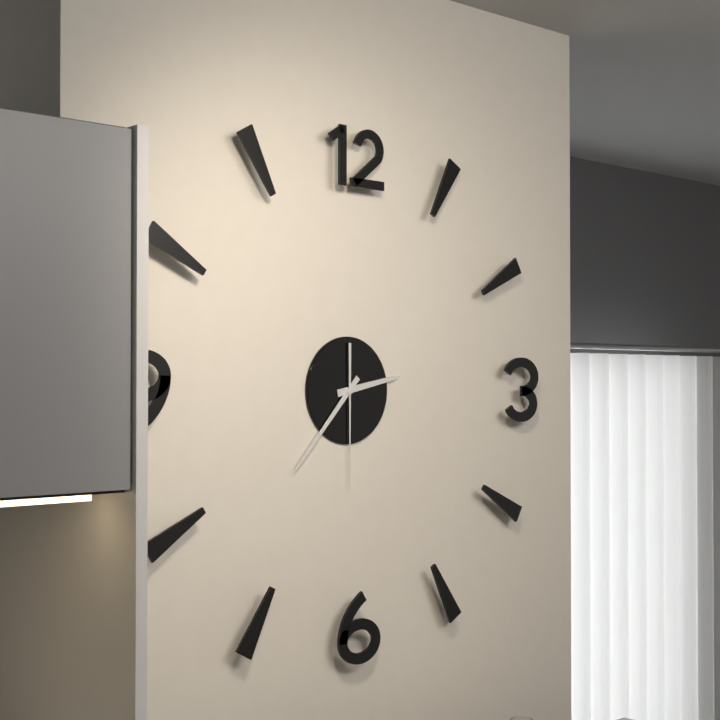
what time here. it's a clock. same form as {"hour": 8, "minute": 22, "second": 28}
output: {"hour": 2, "minute": 37, "second": 30}
